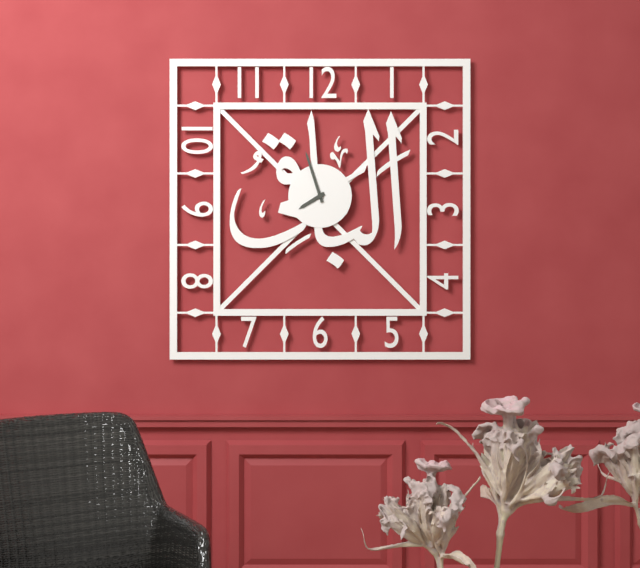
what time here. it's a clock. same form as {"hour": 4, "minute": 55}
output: {"hour": 7, "minute": 57}
